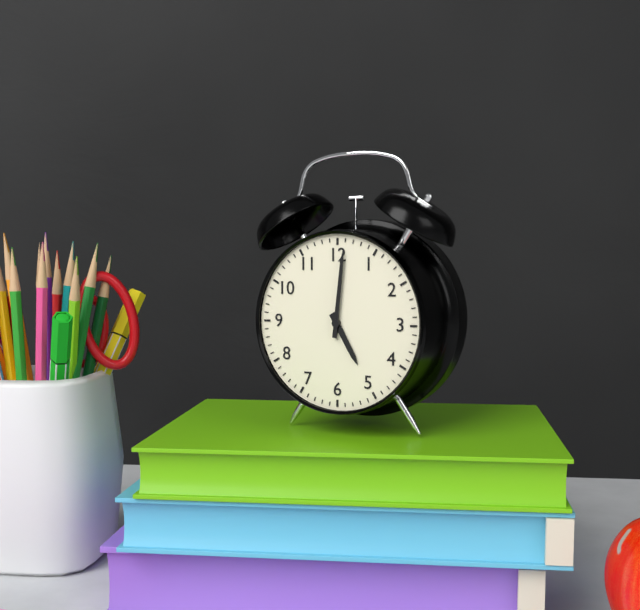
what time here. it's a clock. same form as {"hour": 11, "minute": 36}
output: {"hour": 5, "minute": 1}
